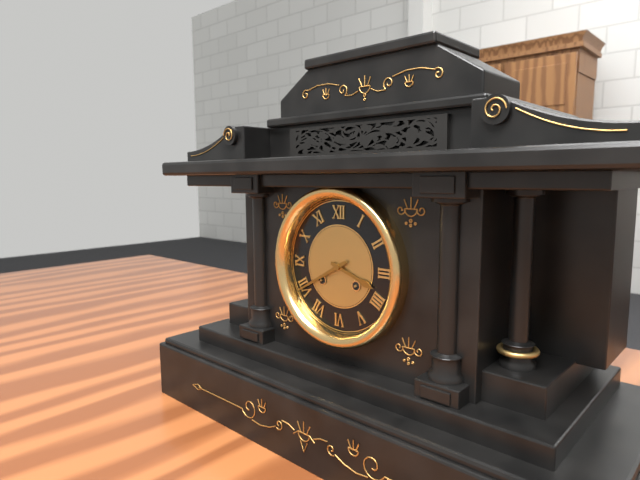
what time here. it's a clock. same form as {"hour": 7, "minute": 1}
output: {"hour": 3, "minute": 40}
